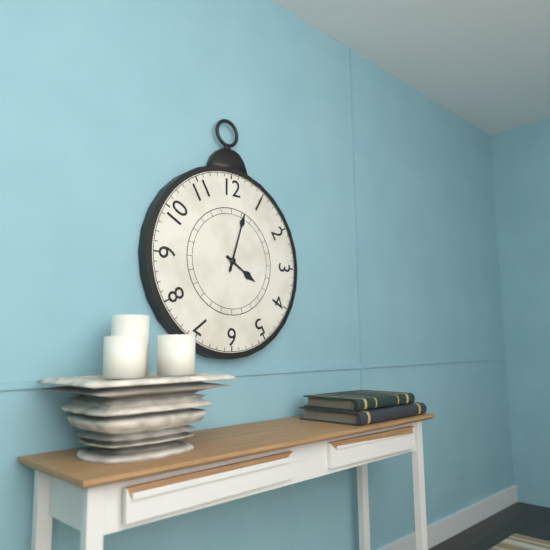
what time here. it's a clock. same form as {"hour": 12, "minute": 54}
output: {"hour": 4, "minute": 3}
